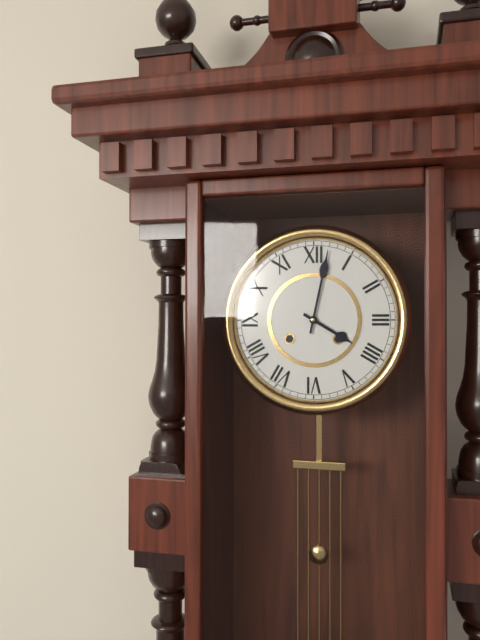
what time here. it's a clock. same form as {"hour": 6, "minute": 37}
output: {"hour": 4, "minute": 2}
